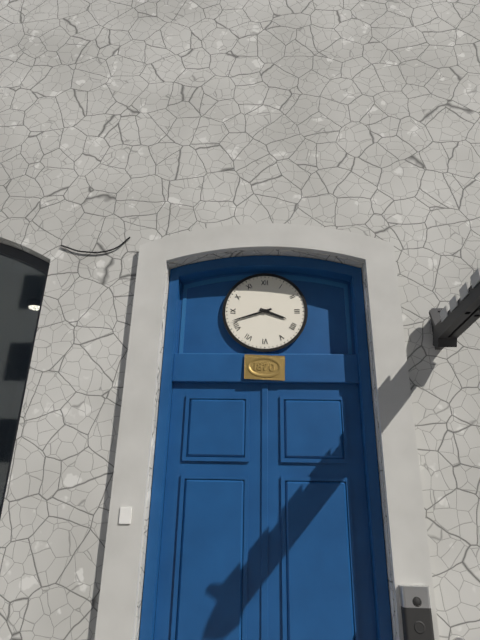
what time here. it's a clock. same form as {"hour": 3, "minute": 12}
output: {"hour": 3, "minute": 42}
